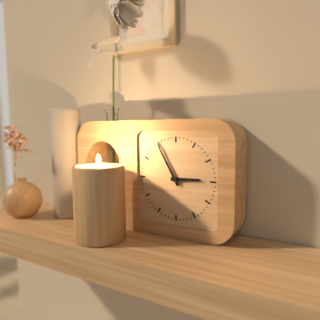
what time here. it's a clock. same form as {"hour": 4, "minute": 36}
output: {"hour": 2, "minute": 55}
